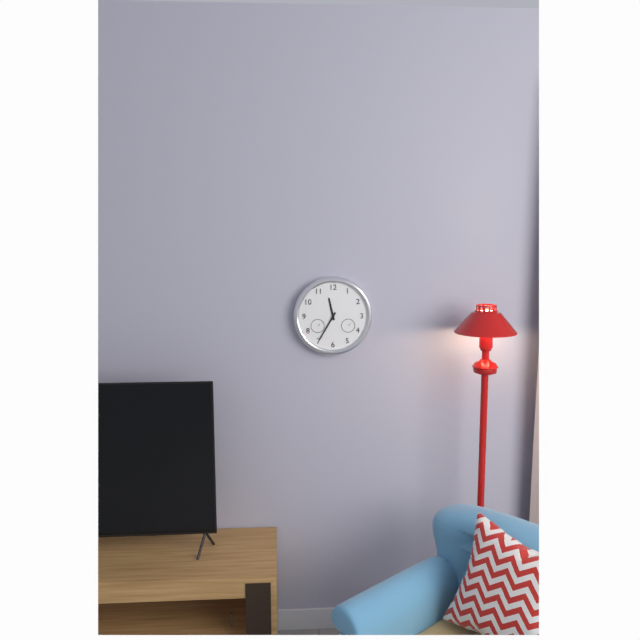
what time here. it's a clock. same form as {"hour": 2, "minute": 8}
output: {"hour": 11, "minute": 35}
